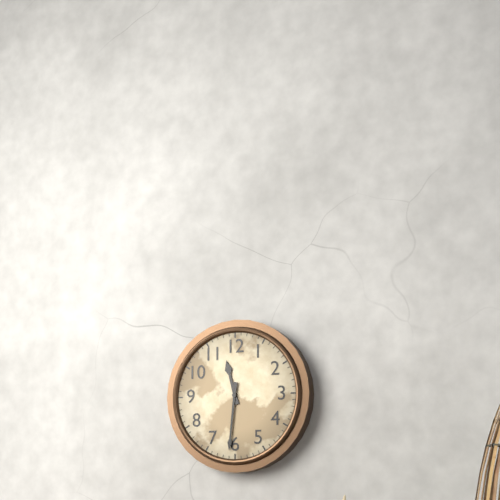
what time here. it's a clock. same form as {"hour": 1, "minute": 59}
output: {"hour": 11, "minute": 31}
